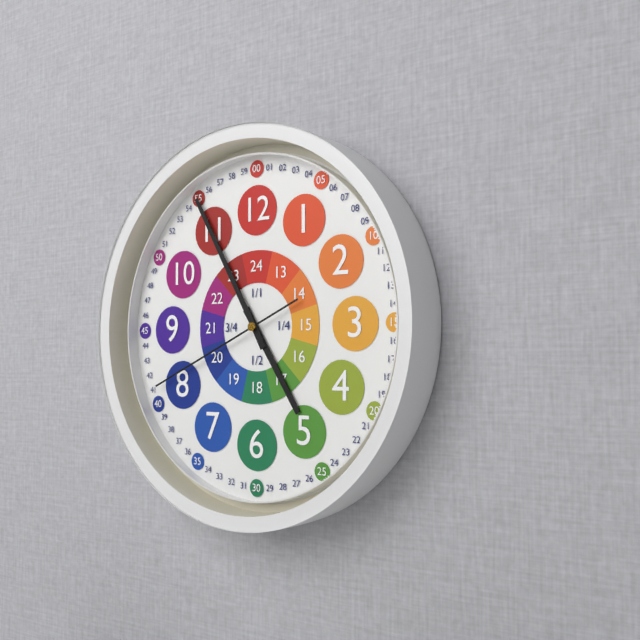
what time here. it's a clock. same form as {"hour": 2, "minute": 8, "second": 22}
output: {"hour": 4, "minute": 55, "second": 41}
